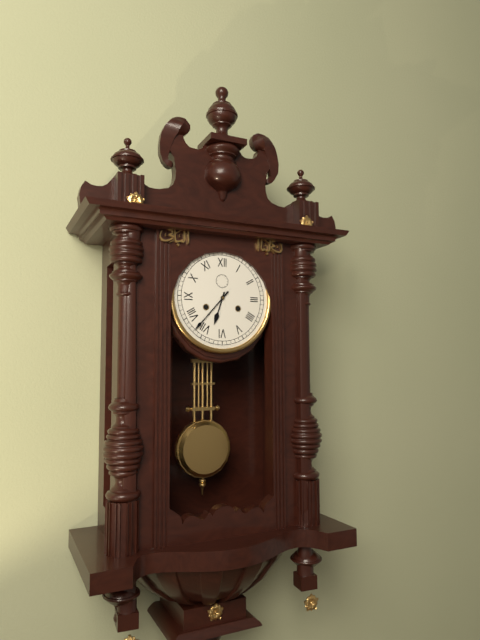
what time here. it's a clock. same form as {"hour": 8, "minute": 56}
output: {"hour": 6, "minute": 37}
